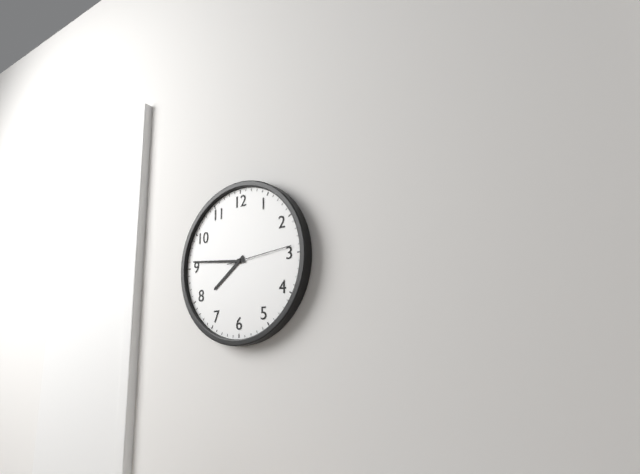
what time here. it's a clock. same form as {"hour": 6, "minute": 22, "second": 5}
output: {"hour": 7, "minute": 46, "second": 14}
